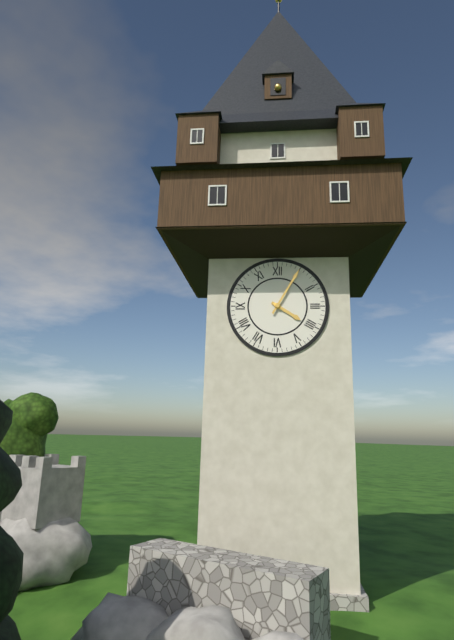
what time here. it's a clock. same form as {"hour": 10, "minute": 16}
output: {"hour": 4, "minute": 5}
